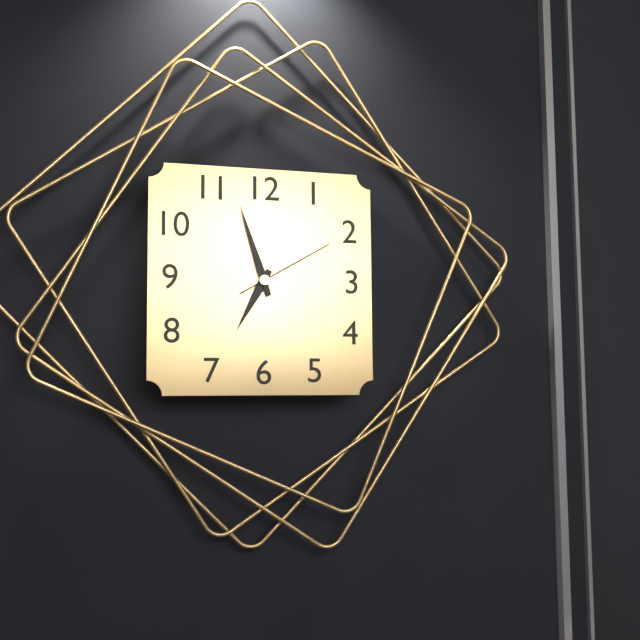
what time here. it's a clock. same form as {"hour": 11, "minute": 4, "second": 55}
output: {"hour": 6, "minute": 57, "second": 10}
